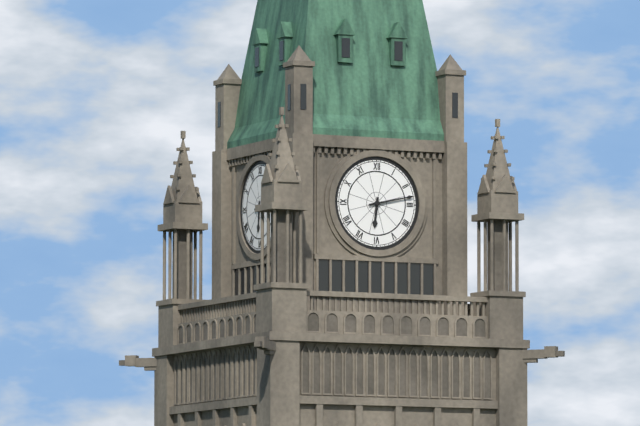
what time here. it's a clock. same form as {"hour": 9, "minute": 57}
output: {"hour": 6, "minute": 13}
